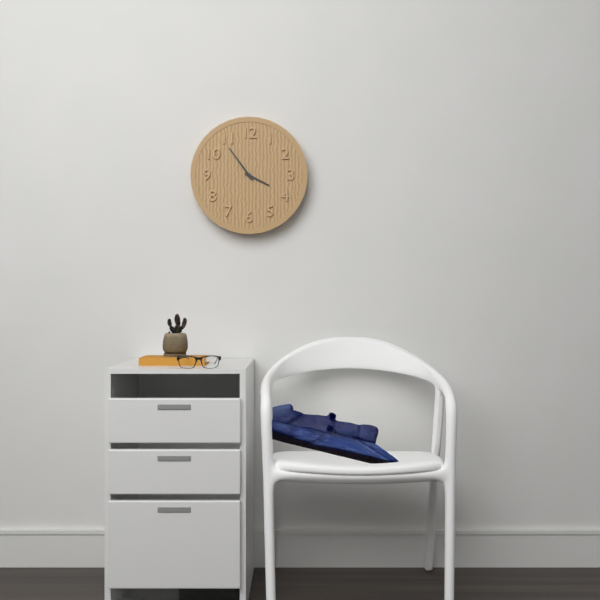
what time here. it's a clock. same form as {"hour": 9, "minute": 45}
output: {"hour": 3, "minute": 54}
